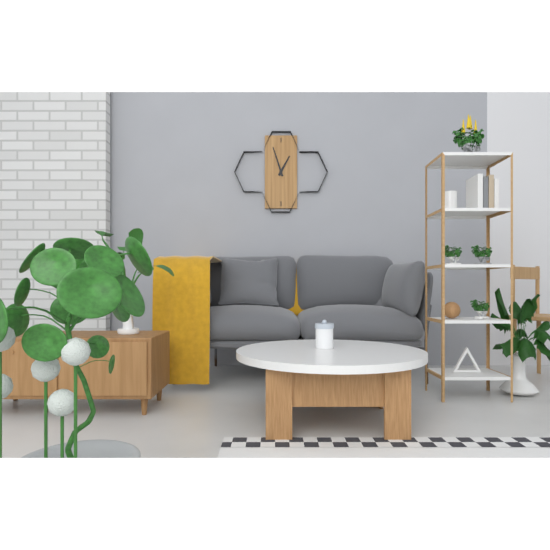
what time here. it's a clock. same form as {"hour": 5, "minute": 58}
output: {"hour": 12, "minute": 57}
